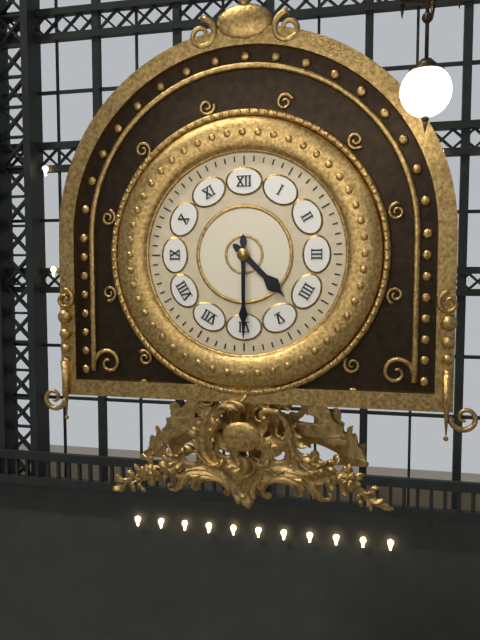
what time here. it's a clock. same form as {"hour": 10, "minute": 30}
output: {"hour": 4, "minute": 30}
